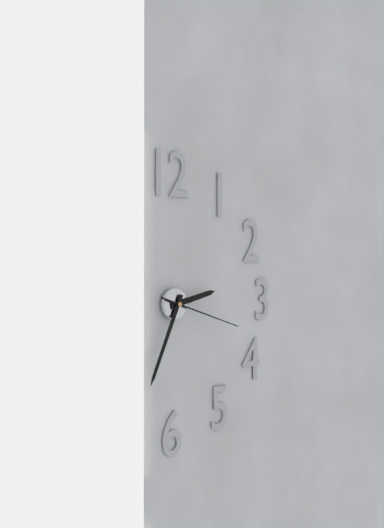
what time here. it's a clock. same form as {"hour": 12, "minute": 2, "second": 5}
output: {"hour": 2, "minute": 34, "second": 18}
